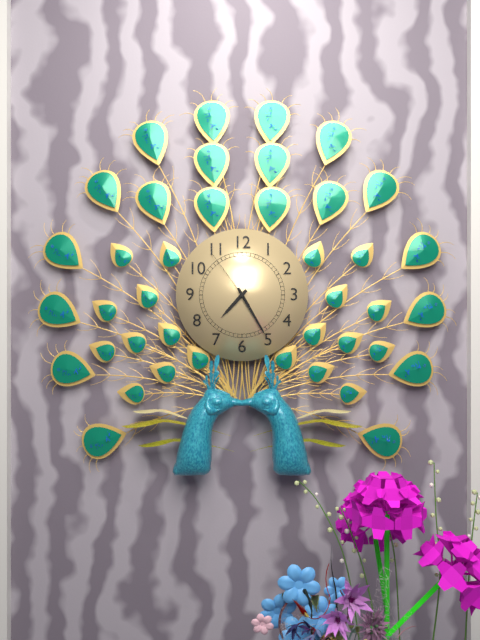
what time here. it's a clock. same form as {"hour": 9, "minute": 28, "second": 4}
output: {"hour": 7, "minute": 25, "second": 54}
